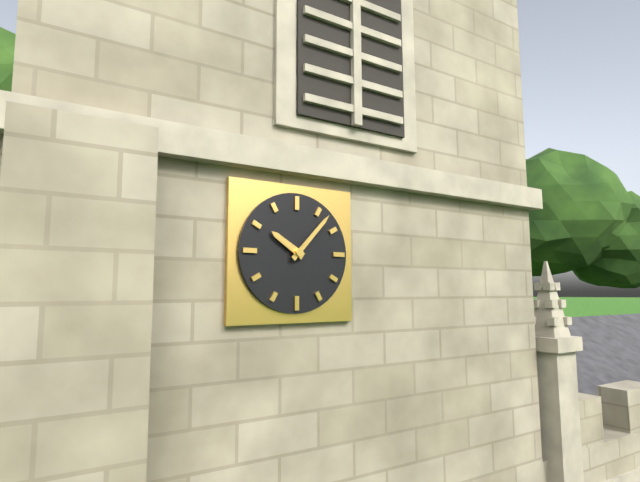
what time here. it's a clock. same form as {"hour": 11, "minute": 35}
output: {"hour": 10, "minute": 7}
